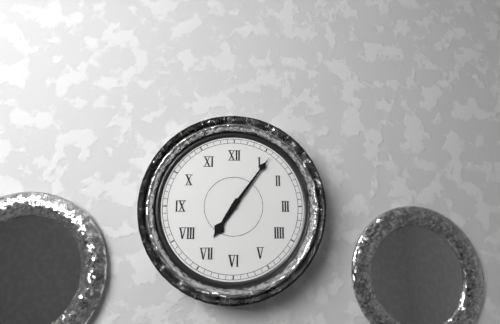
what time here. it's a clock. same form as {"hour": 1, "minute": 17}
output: {"hour": 7, "minute": 6}
